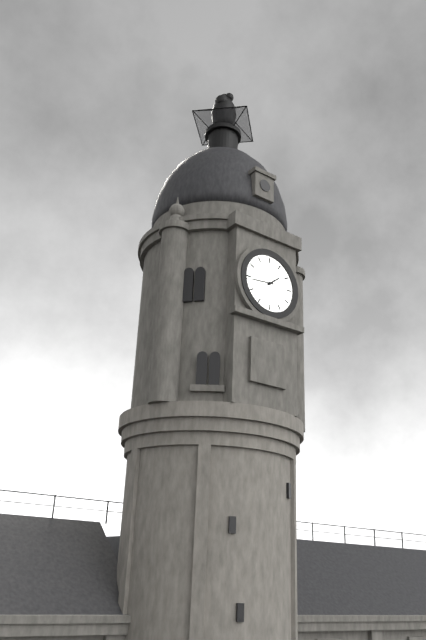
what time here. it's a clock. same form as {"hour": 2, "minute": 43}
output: {"hour": 1, "minute": 44}
